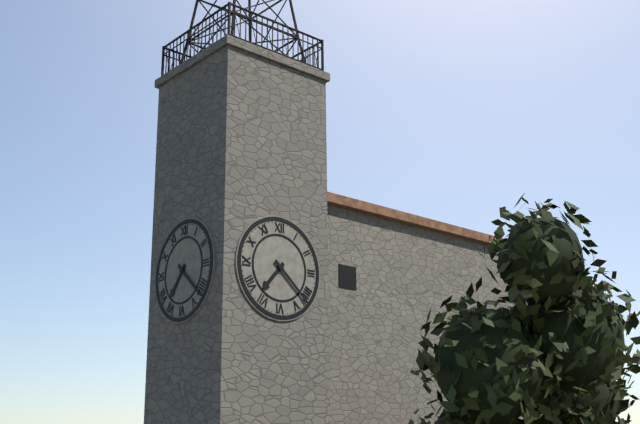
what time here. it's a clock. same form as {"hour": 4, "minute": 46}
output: {"hour": 7, "minute": 22}
